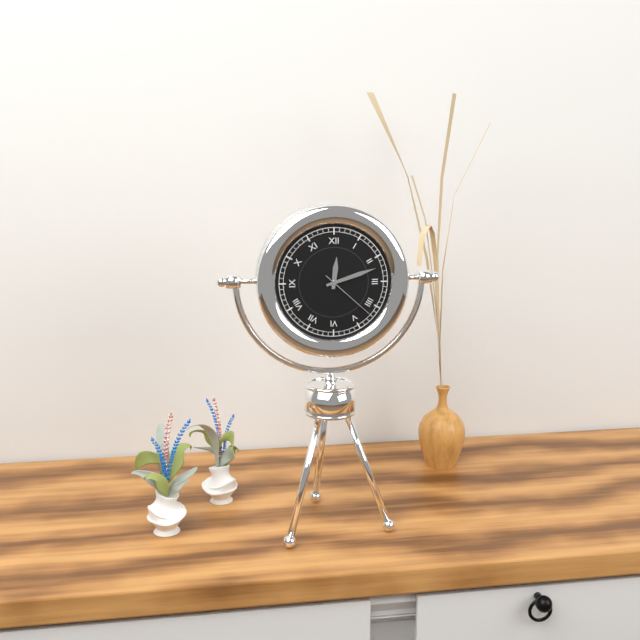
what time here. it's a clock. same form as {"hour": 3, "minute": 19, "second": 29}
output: {"hour": 12, "minute": 12, "second": 22}
